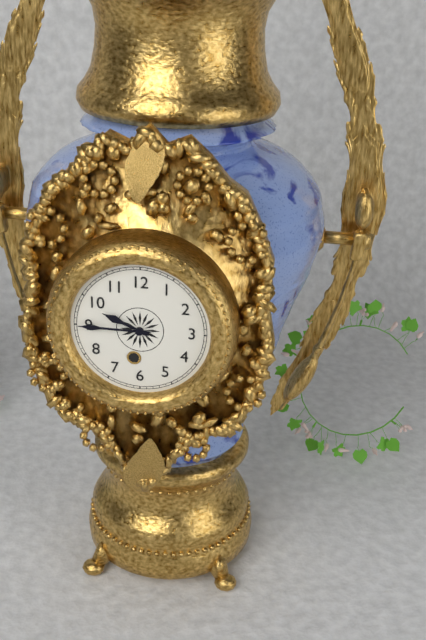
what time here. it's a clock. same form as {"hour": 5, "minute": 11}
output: {"hour": 9, "minute": 45}
